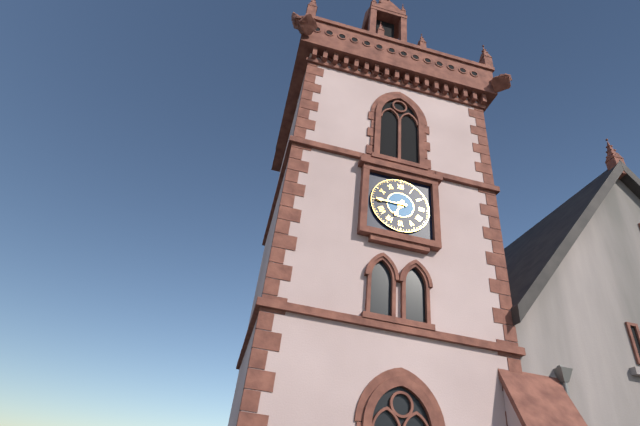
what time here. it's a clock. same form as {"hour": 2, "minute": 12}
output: {"hour": 6, "minute": 45}
